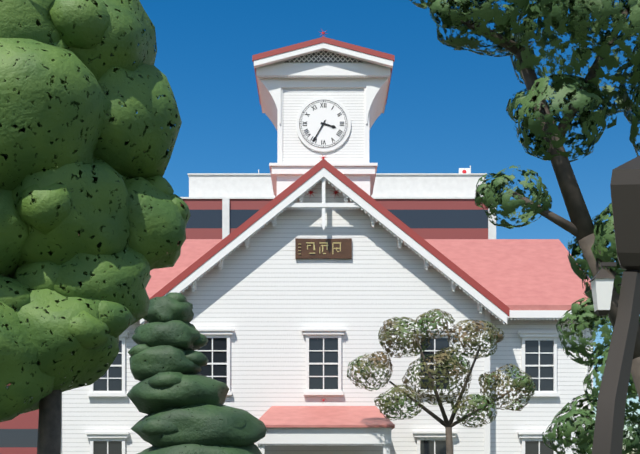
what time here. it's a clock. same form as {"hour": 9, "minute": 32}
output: {"hour": 3, "minute": 35}
